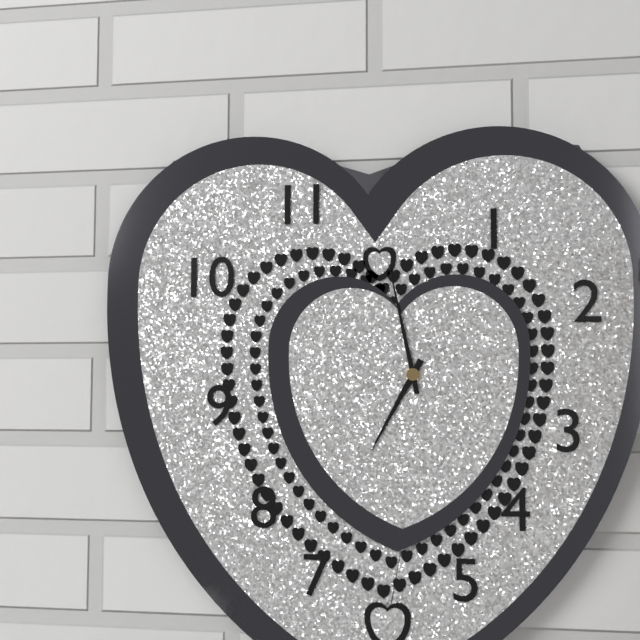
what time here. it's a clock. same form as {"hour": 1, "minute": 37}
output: {"hour": 6, "minute": 58}
